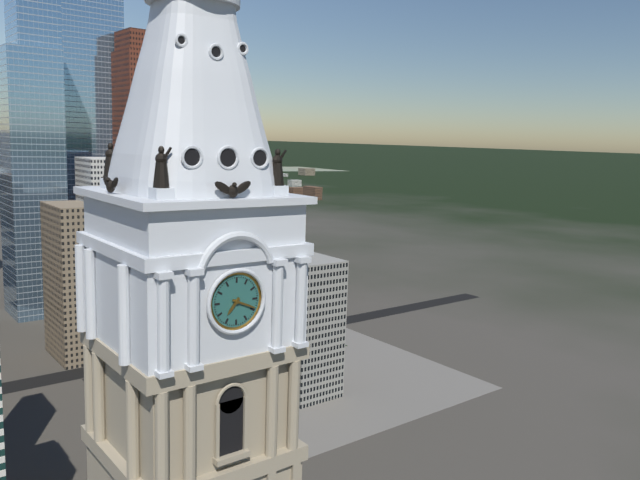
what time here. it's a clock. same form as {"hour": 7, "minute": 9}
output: {"hour": 7, "minute": 19}
